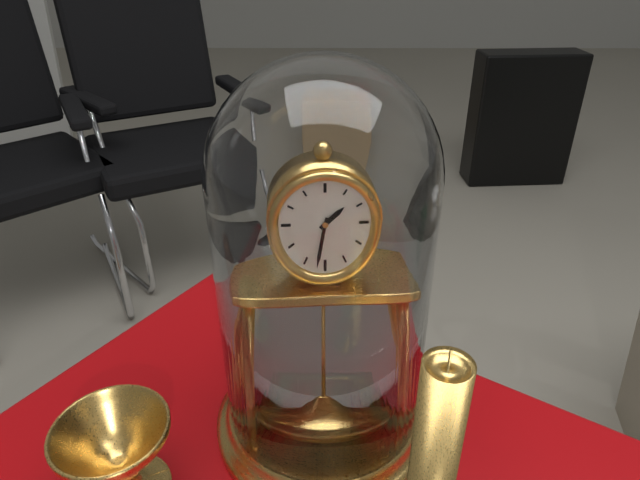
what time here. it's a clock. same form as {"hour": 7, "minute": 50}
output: {"hour": 1, "minute": 32}
